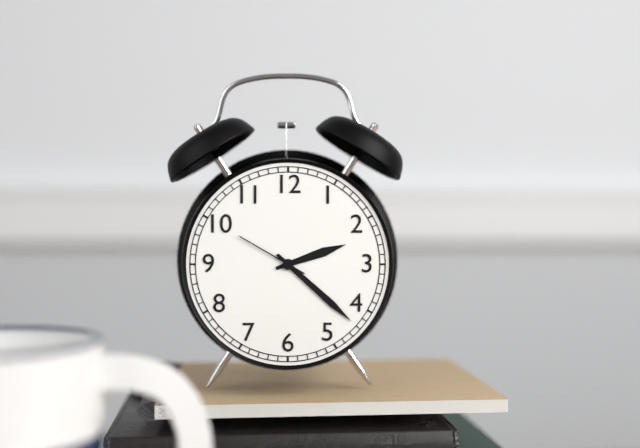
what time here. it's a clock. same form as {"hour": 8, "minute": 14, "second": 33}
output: {"hour": 2, "minute": 22, "second": 50}
